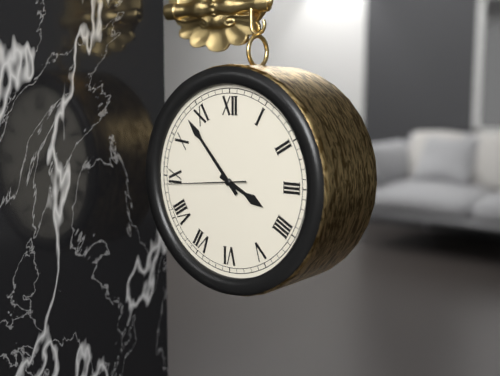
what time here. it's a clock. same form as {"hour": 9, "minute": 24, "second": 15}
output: {"hour": 3, "minute": 53, "second": 44}
